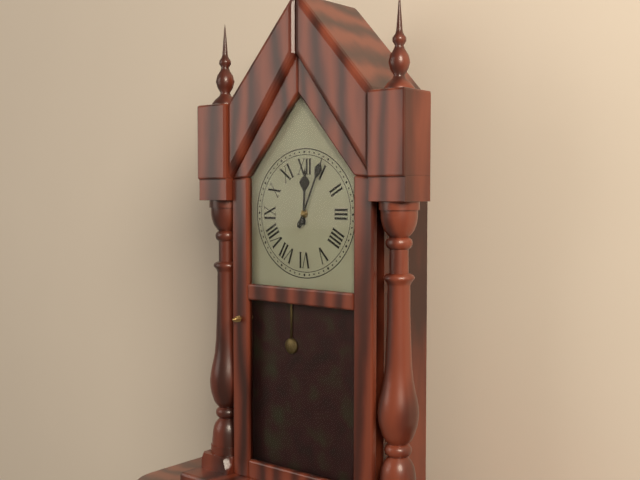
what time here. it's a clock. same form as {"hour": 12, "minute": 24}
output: {"hour": 12, "minute": 4}
